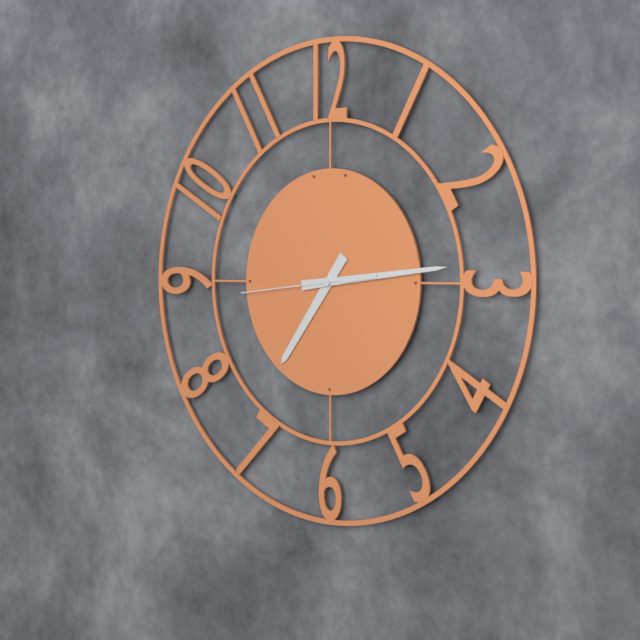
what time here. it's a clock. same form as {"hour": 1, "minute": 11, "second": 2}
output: {"hour": 7, "minute": 14, "second": 44}
